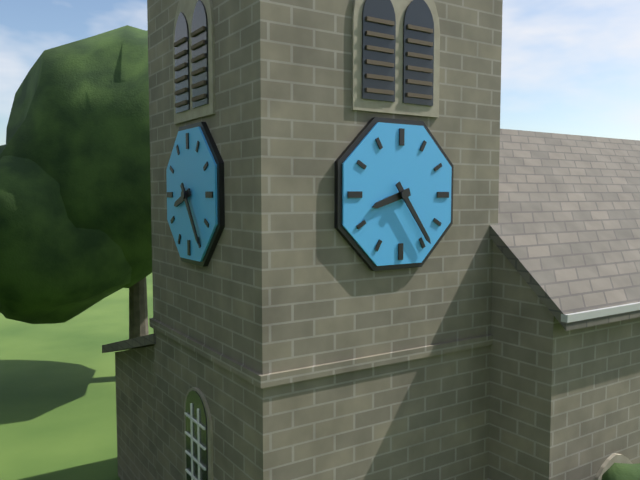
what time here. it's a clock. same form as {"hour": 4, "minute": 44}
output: {"hour": 8, "minute": 24}
